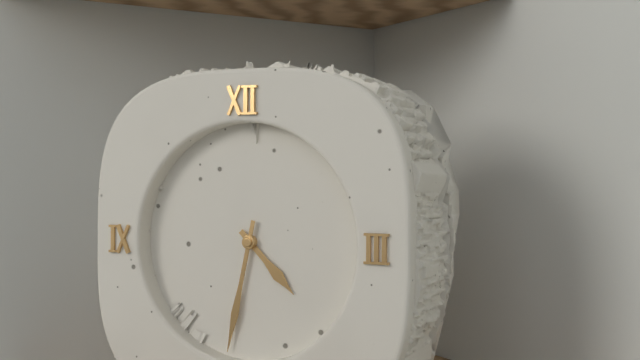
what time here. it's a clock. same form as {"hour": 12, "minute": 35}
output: {"hour": 4, "minute": 32}
